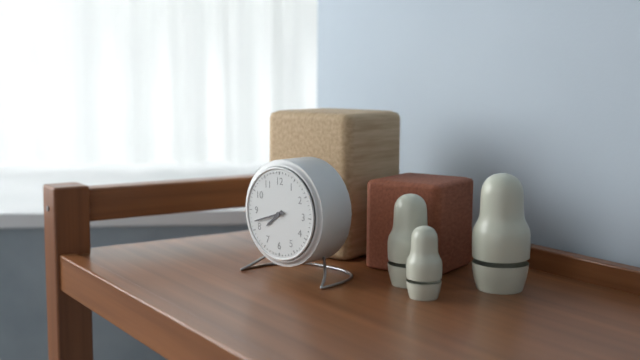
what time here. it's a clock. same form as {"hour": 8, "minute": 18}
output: {"hour": 7, "minute": 42}
